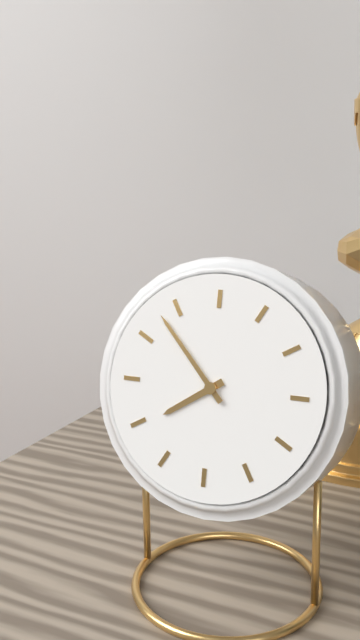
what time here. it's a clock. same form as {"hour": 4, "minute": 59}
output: {"hour": 7, "minute": 53}
